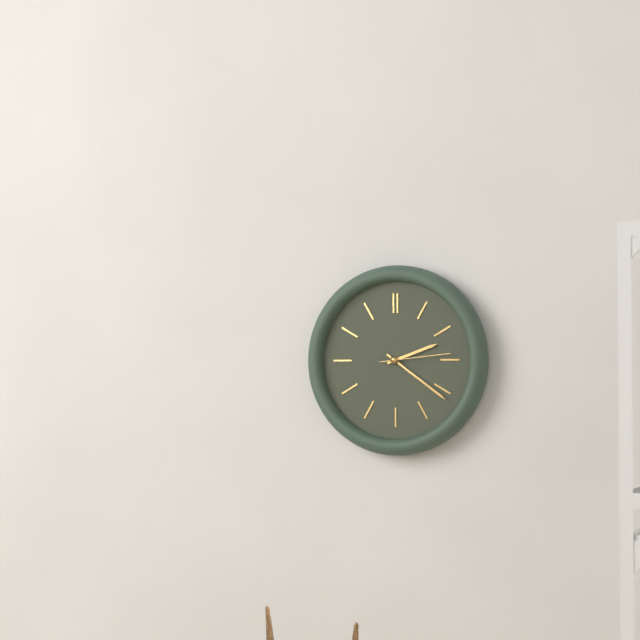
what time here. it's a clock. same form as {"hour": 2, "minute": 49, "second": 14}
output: {"hour": 2, "minute": 21, "second": 14}
